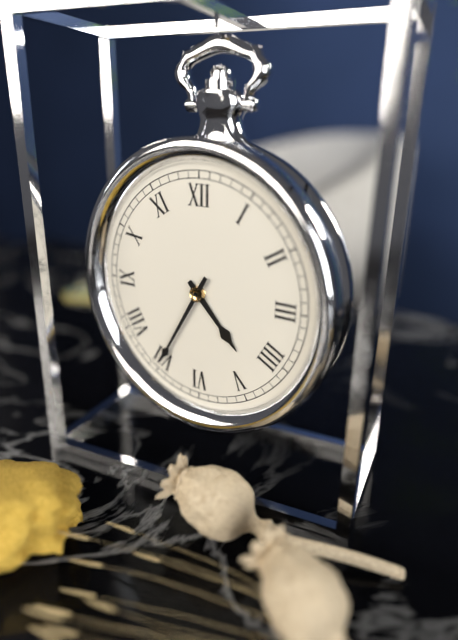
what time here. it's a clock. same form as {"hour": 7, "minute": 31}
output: {"hour": 4, "minute": 35}
